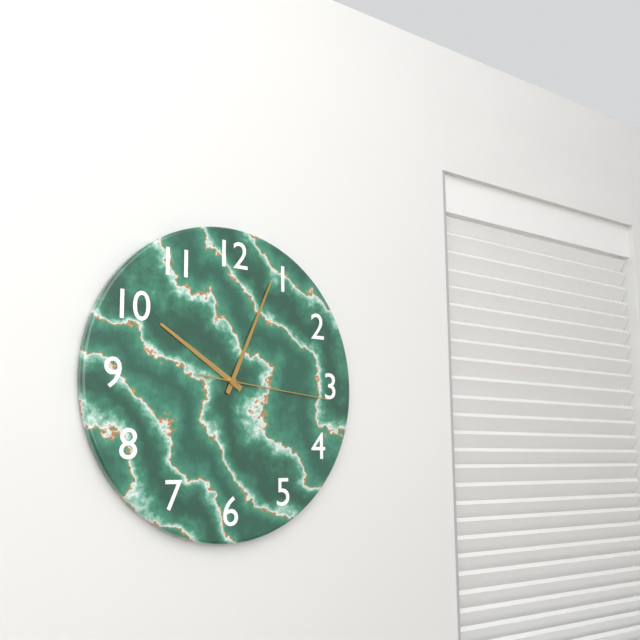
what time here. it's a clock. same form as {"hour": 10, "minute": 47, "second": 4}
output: {"hour": 10, "minute": 4, "second": 16}
